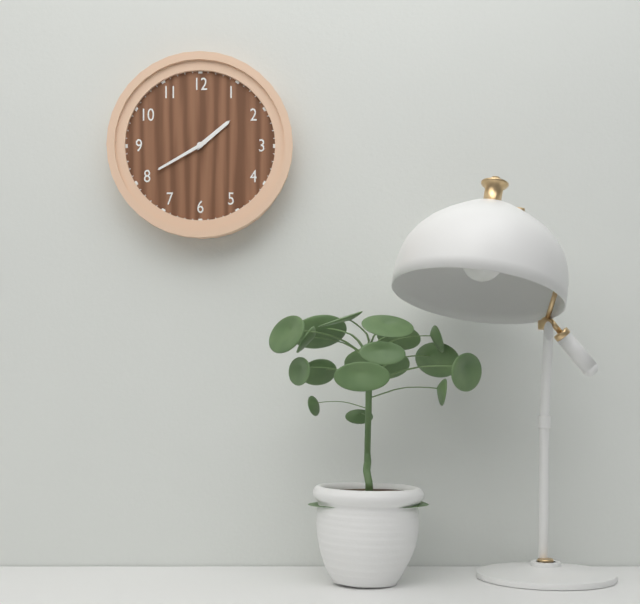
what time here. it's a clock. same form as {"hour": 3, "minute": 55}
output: {"hour": 1, "minute": 40}
